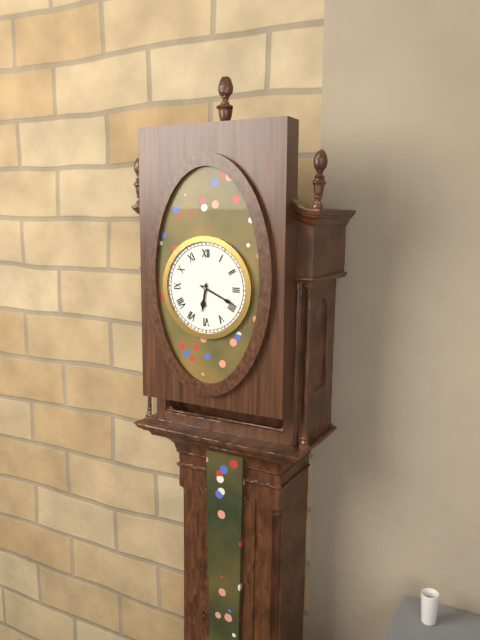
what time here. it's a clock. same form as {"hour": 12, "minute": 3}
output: {"hour": 6, "minute": 19}
